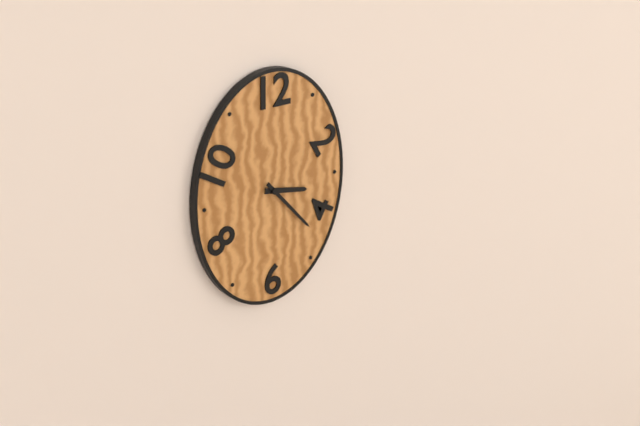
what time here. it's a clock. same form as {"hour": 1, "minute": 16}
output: {"hour": 3, "minute": 23}
